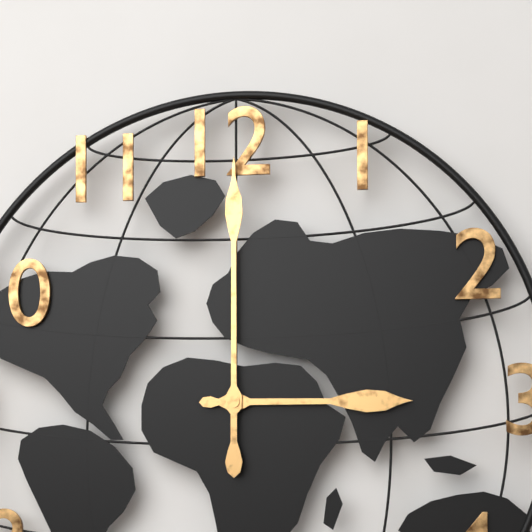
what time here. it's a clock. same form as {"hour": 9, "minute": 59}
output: {"hour": 3, "minute": 0}
